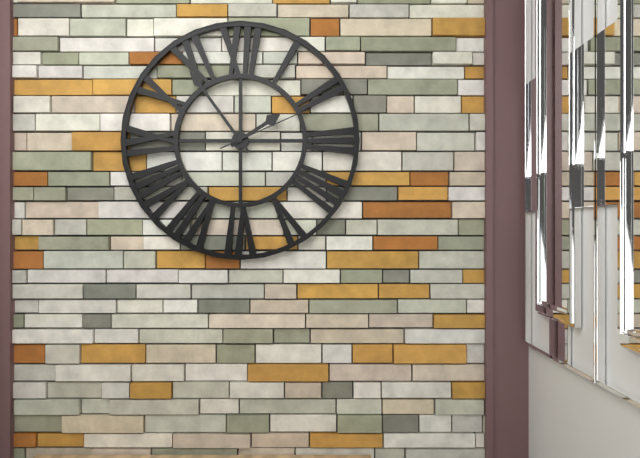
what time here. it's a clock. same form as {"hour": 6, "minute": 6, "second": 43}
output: {"hour": 1, "minute": 54, "second": 11}
